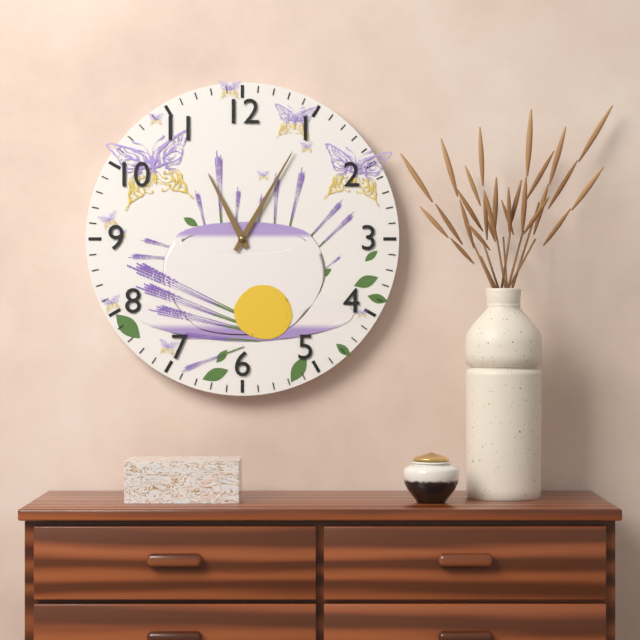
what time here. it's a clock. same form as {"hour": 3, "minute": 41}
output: {"hour": 11, "minute": 5}
